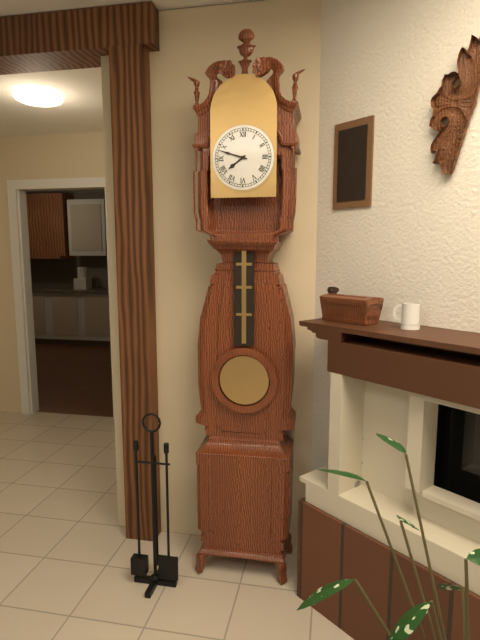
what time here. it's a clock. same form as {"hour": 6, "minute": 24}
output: {"hour": 7, "minute": 48}
